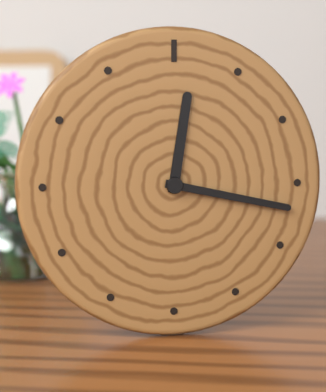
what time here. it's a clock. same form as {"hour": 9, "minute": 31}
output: {"hour": 12, "minute": 17}
